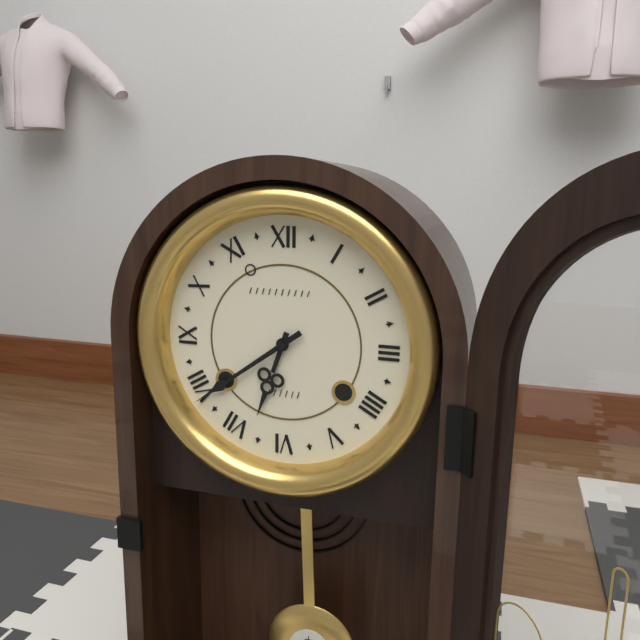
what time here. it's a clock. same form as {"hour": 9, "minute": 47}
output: {"hour": 6, "minute": 39}
